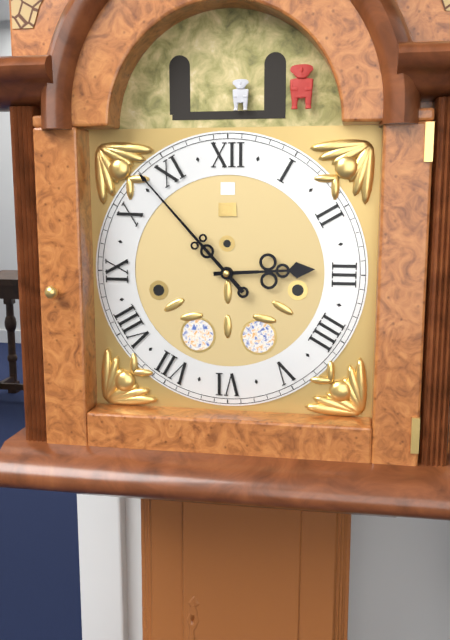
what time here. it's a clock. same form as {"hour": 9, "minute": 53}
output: {"hour": 2, "minute": 53}
